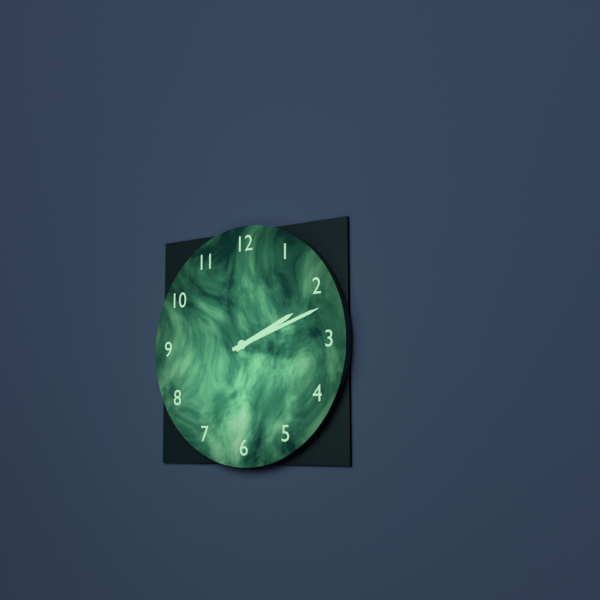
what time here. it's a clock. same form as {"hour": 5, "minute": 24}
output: {"hour": 2, "minute": 12}
